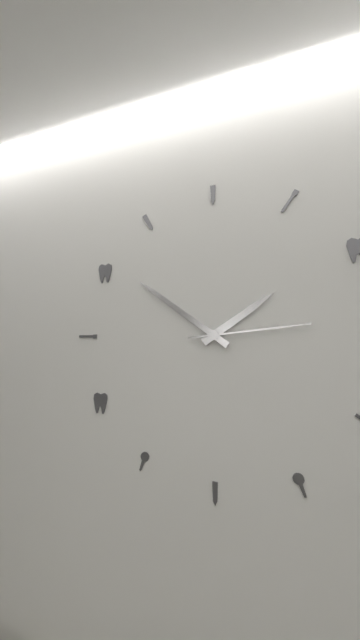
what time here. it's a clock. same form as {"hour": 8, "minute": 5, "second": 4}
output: {"hour": 1, "minute": 51, "second": 14}
